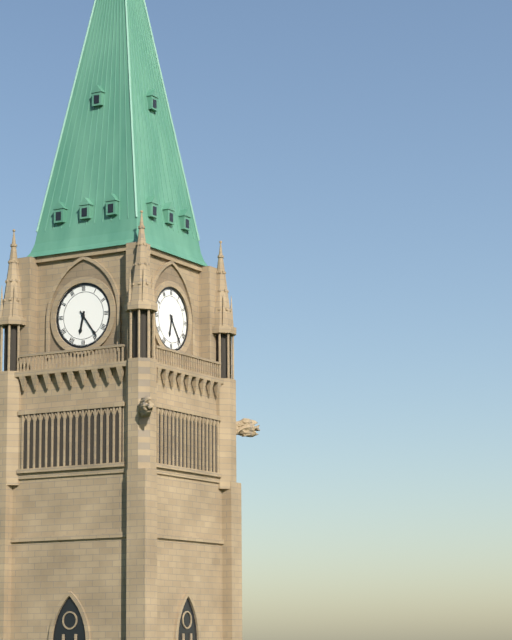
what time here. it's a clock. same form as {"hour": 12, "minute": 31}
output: {"hour": 6, "minute": 24}
